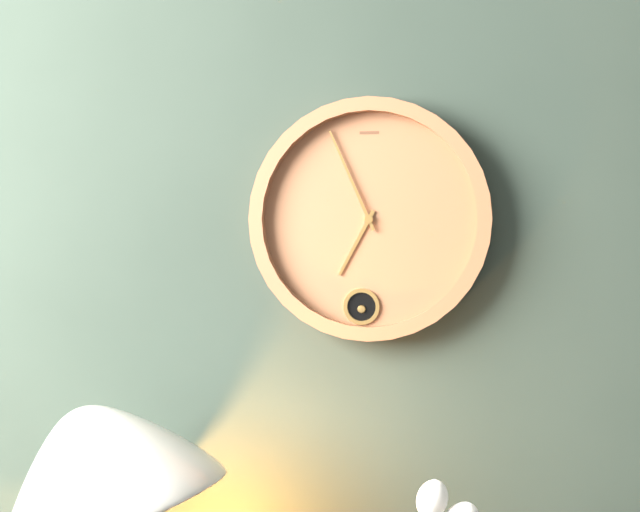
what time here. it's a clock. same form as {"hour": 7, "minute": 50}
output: {"hour": 6, "minute": 56}
